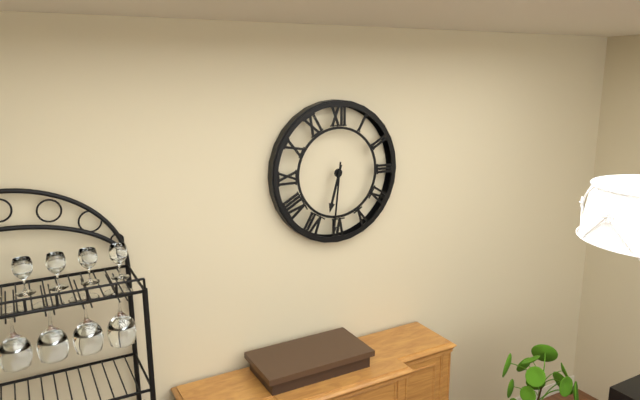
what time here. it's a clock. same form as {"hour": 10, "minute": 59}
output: {"hour": 6, "minute": 31}
